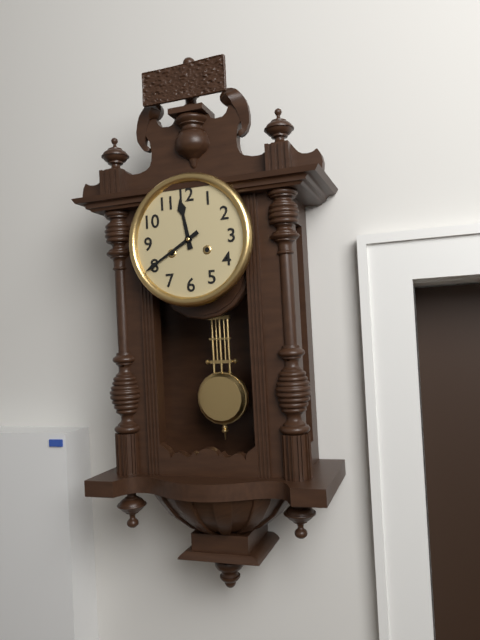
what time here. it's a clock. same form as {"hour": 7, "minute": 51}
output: {"hour": 11, "minute": 40}
